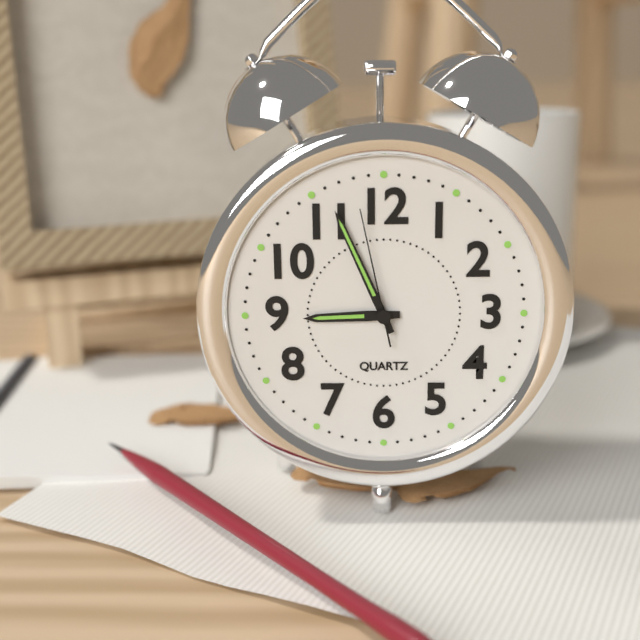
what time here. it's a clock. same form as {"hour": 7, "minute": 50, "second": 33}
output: {"hour": 8, "minute": 56, "second": 58}
